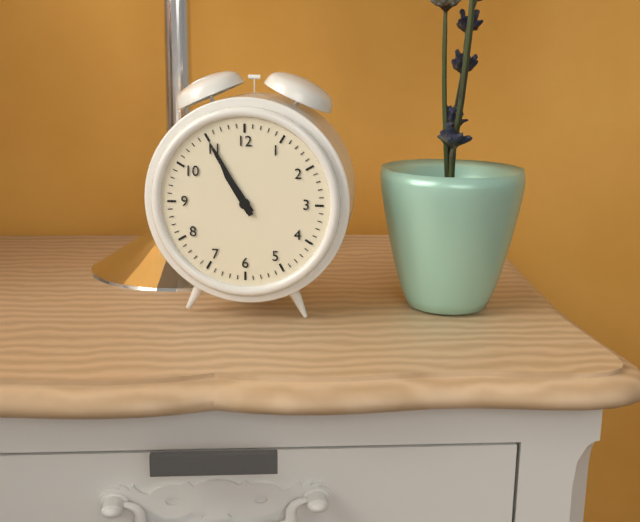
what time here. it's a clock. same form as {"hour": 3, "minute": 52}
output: {"hour": 10, "minute": 55}
